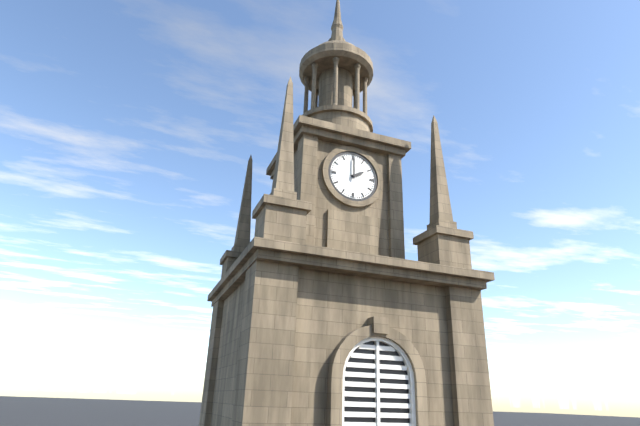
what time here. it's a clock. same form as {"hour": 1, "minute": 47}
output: {"hour": 2, "minute": 0}
